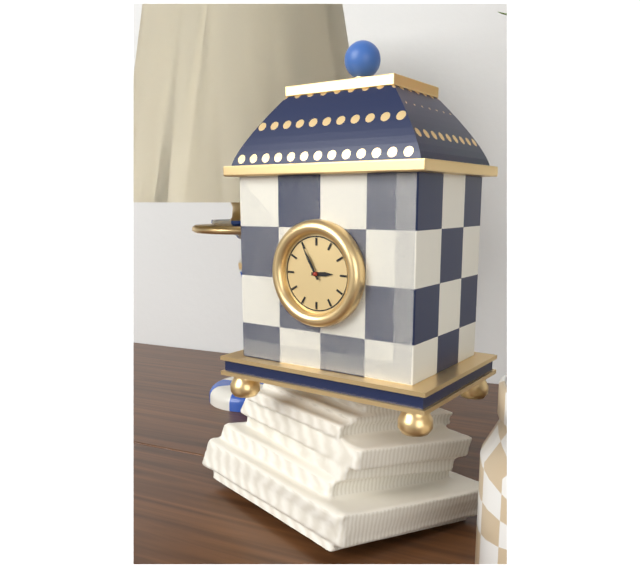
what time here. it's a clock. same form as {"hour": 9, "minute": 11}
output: {"hour": 2, "minute": 55}
